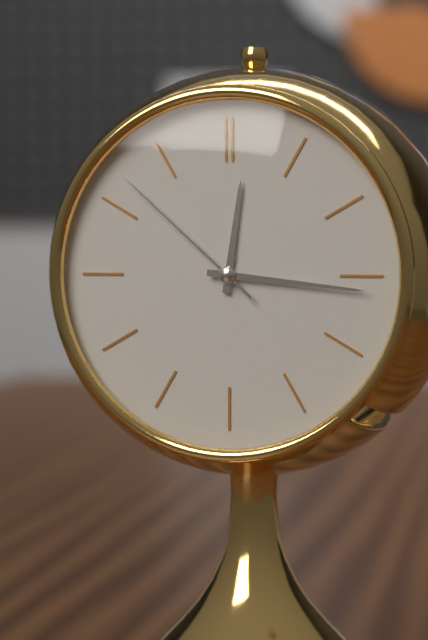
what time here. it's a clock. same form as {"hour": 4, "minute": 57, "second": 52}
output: {"hour": 12, "minute": 16, "second": 52}
